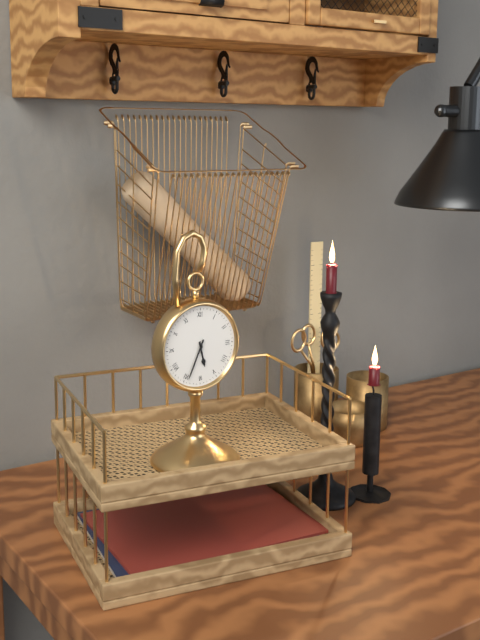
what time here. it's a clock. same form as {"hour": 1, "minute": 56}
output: {"hour": 5, "minute": 34}
